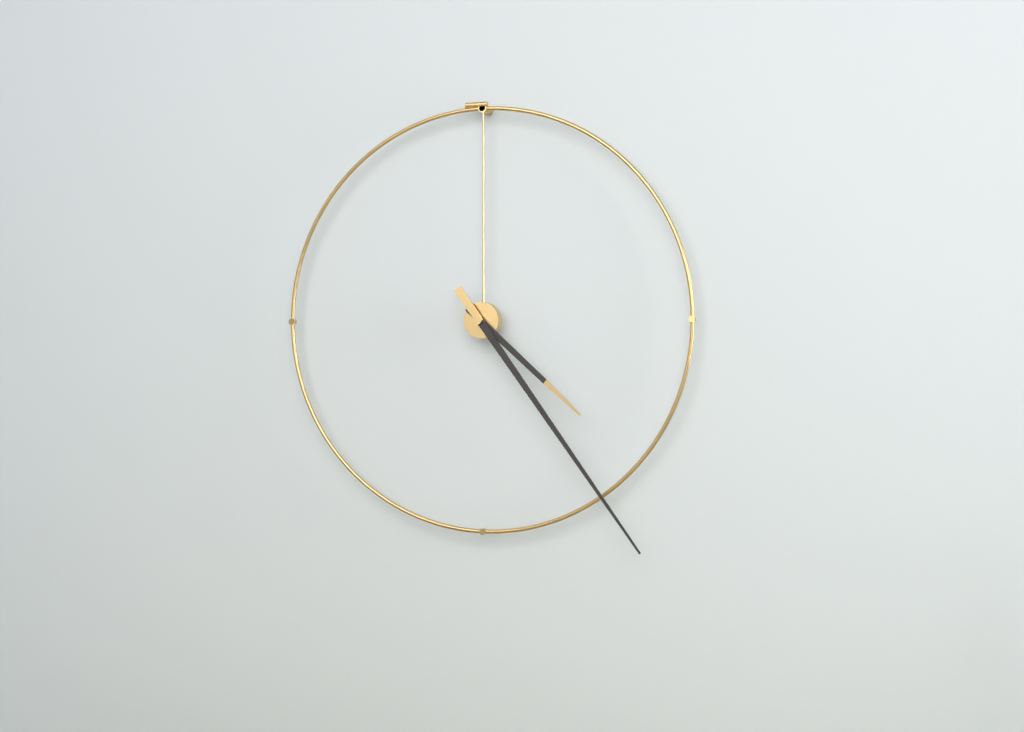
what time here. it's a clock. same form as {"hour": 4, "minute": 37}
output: {"hour": 4, "minute": 24}
